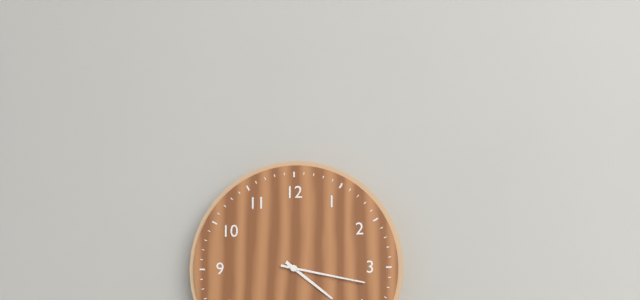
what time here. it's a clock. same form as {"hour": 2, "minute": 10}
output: {"hour": 4, "minute": 17}
